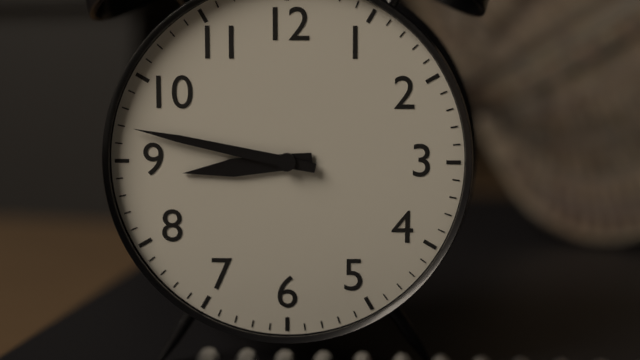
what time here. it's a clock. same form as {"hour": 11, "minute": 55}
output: {"hour": 8, "minute": 47}
